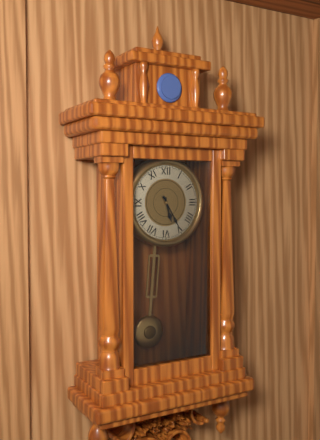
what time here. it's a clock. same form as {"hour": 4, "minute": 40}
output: {"hour": 5, "minute": 25}
